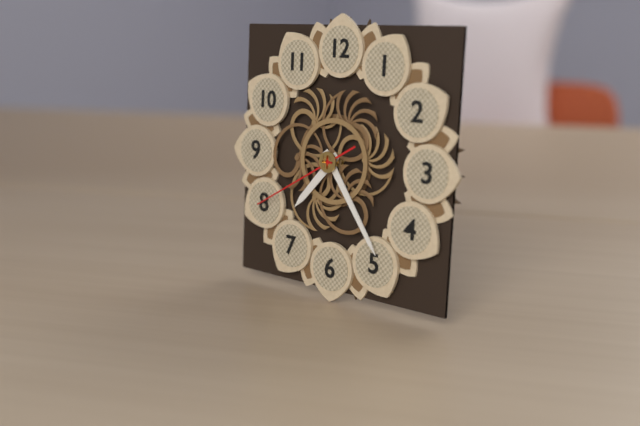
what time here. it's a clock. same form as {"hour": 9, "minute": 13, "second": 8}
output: {"hour": 7, "minute": 24, "second": 40}
